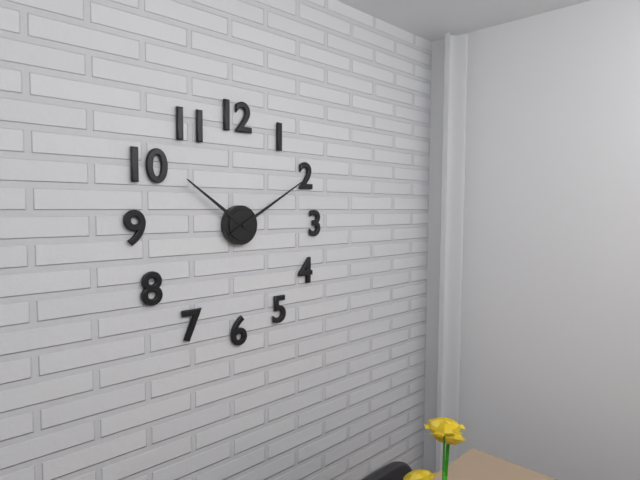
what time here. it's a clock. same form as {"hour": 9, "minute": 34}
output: {"hour": 10, "minute": 10}
